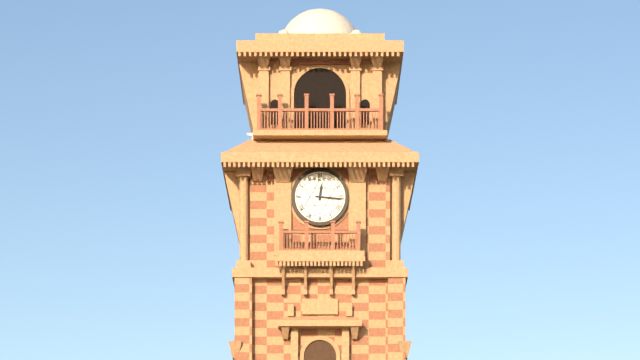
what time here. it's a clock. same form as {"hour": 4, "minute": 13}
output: {"hour": 12, "minute": 16}
